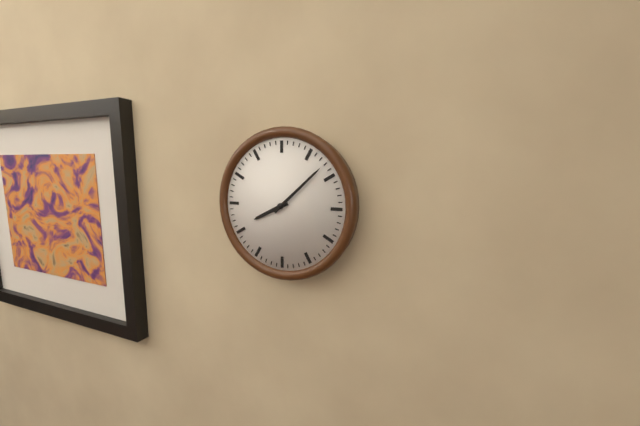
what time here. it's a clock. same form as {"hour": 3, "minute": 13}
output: {"hour": 8, "minute": 8}
